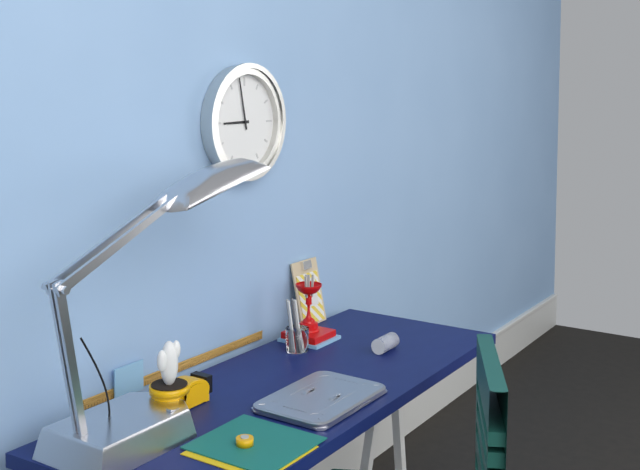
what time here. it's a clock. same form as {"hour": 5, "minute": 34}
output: {"hour": 8, "minute": 58}
